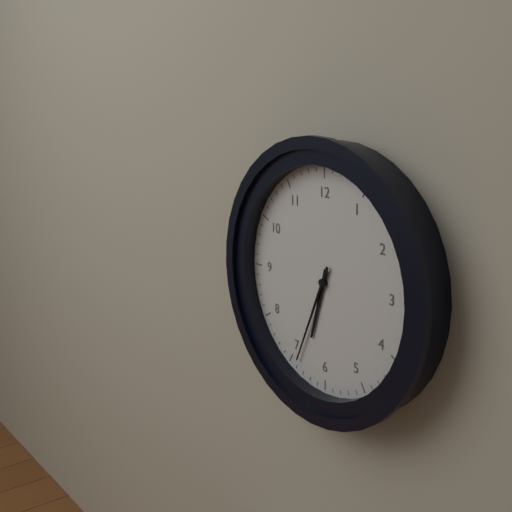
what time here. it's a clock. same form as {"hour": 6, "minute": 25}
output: {"hour": 6, "minute": 34}
